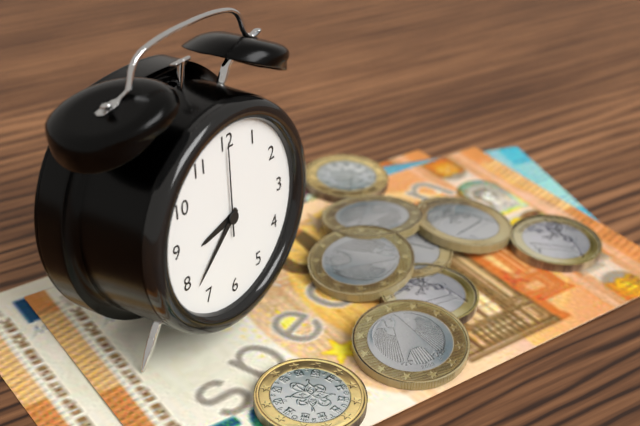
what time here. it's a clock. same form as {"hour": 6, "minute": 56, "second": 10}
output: {"hour": 8, "minute": 38, "second": 0}
